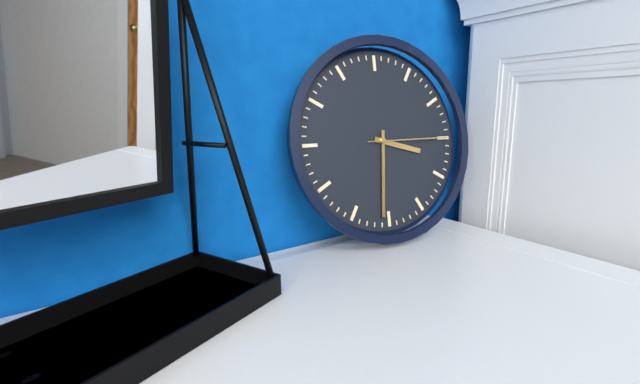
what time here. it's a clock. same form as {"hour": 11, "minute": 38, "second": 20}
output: {"hour": 3, "minute": 31, "second": 15}
